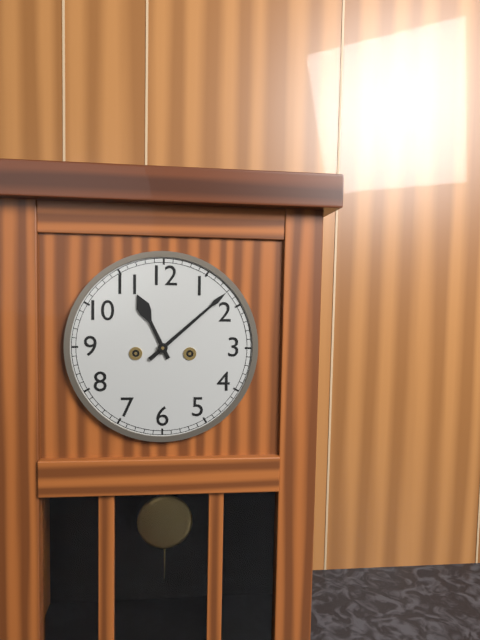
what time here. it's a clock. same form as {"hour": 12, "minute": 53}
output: {"hour": 11, "minute": 8}
